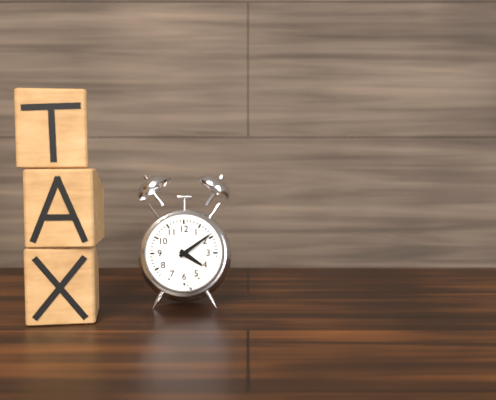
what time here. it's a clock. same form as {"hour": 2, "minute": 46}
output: {"hour": 4, "minute": 9}
